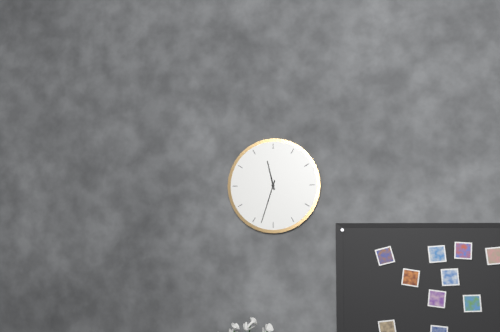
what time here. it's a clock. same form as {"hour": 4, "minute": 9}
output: {"hour": 11, "minute": 33}
